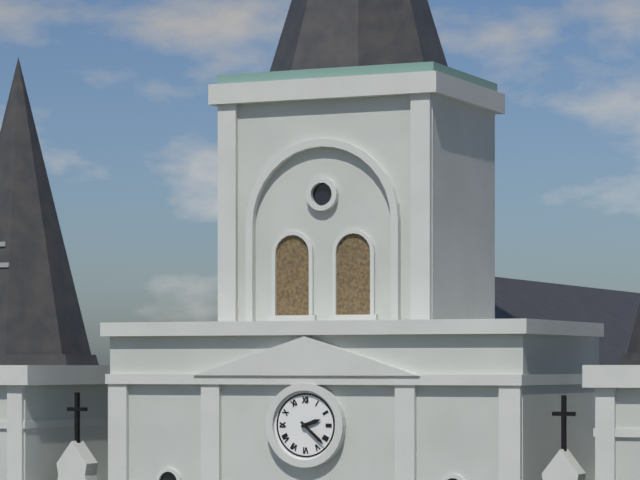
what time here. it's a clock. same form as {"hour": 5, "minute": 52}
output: {"hour": 2, "minute": 22}
